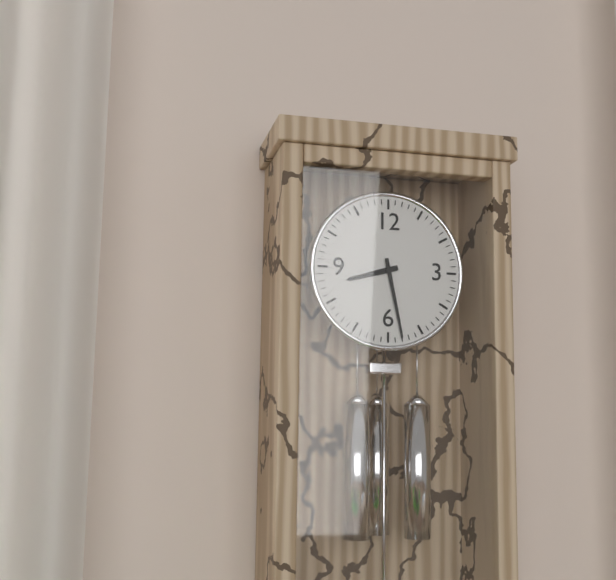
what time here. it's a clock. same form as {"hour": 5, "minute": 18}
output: {"hour": 8, "minute": 28}
